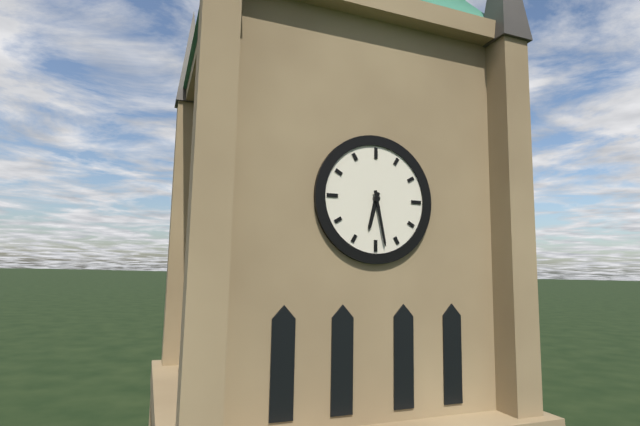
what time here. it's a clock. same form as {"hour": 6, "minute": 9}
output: {"hour": 6, "minute": 28}
